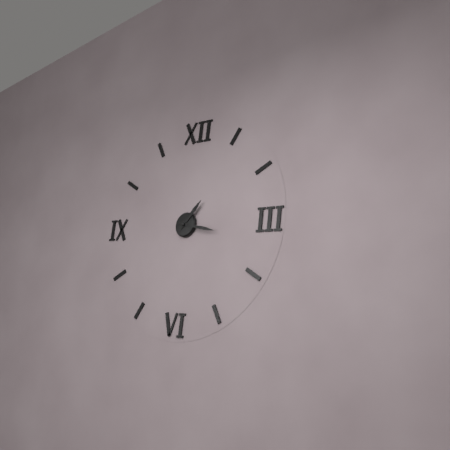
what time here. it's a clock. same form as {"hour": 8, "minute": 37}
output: {"hour": 1, "minute": 17}
